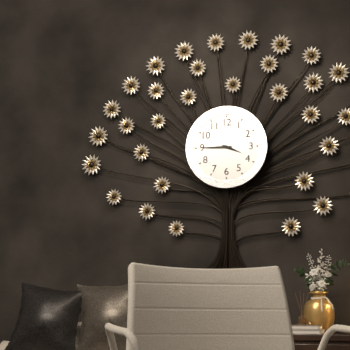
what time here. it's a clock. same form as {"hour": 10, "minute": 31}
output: {"hour": 3, "minute": 45}
